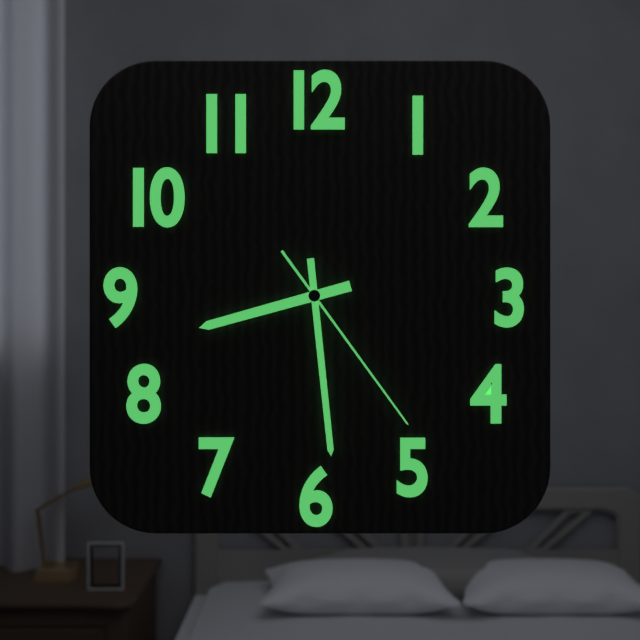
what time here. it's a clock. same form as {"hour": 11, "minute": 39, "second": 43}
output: {"hour": 8, "minute": 29, "second": 24}
